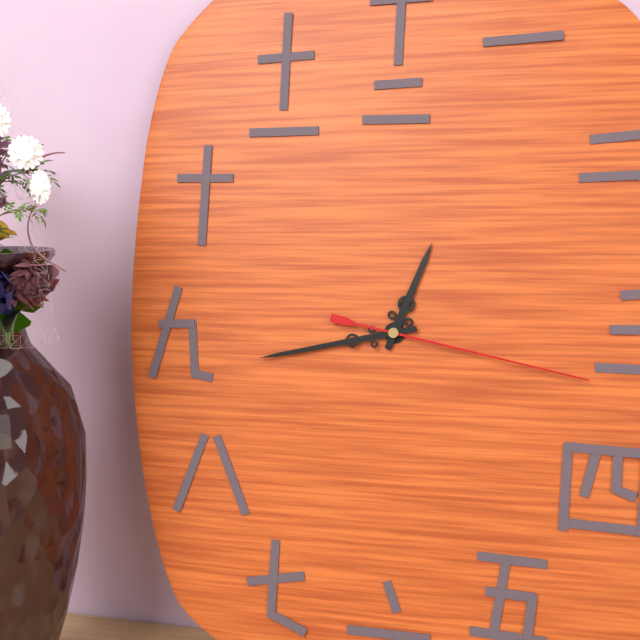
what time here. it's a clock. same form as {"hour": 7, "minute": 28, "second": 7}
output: {"hour": 12, "minute": 43, "second": 17}
